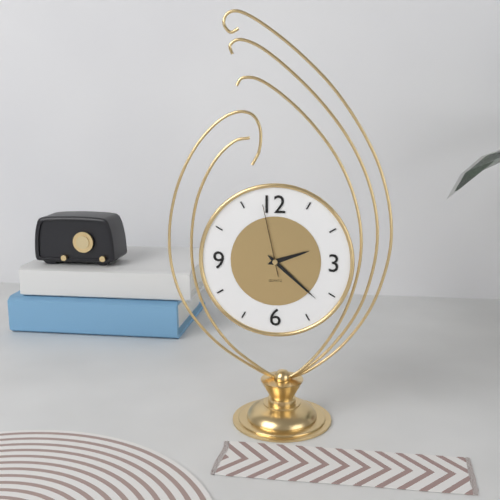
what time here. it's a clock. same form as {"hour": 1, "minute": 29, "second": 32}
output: {"hour": 2, "minute": 22, "second": 58}
